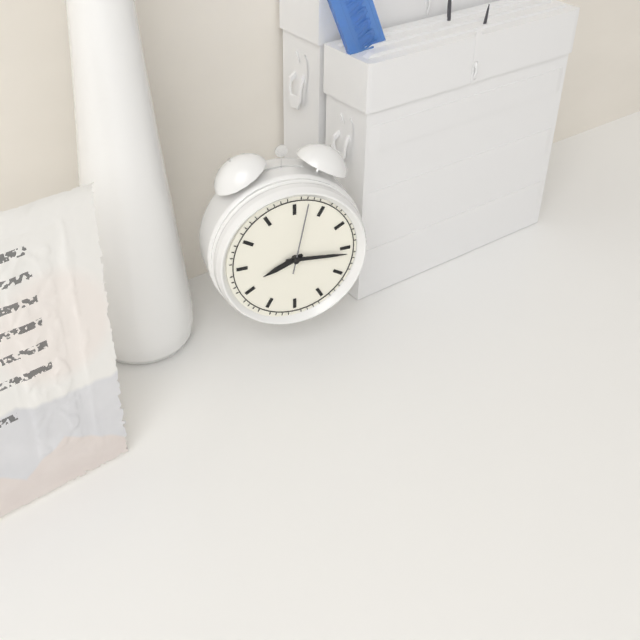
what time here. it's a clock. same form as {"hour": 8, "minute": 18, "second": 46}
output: {"hour": 8, "minute": 16, "second": 2}
